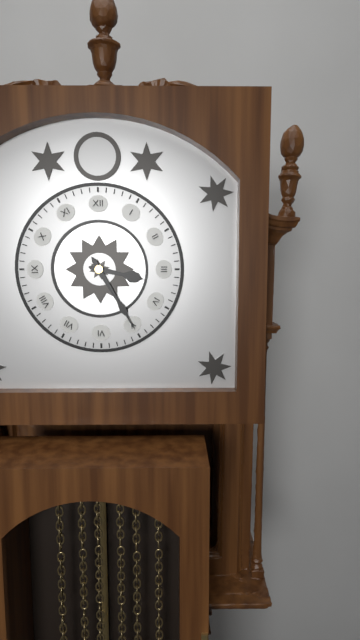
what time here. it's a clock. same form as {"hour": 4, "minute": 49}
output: {"hour": 3, "minute": 25}
